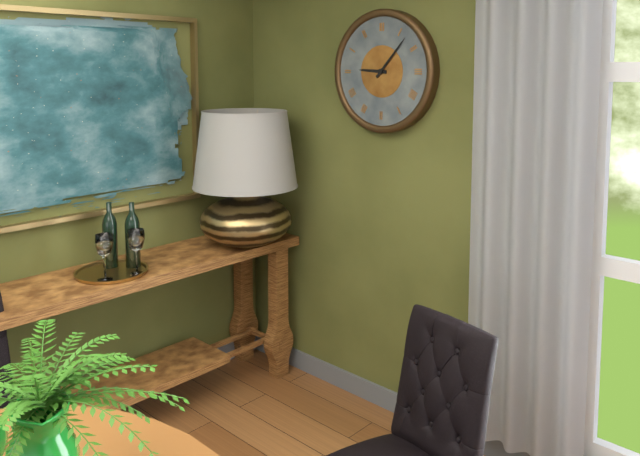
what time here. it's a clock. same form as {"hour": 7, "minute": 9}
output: {"hour": 9, "minute": 7}
